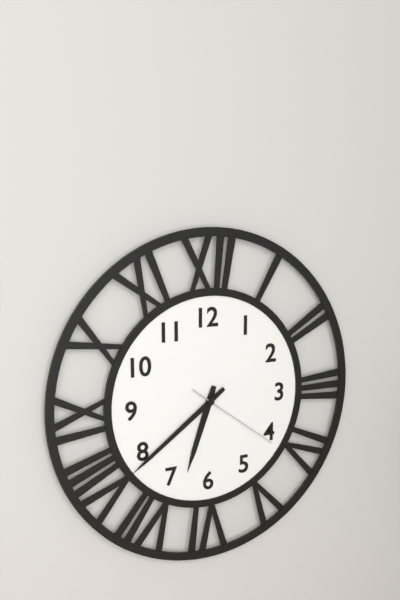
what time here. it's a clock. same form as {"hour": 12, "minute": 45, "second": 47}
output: {"hour": 6, "minute": 39, "second": 21}
